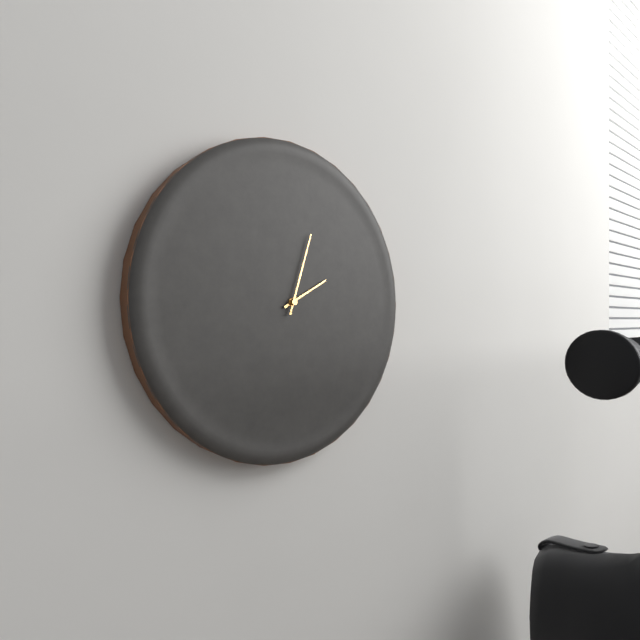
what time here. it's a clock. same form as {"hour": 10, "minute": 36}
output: {"hour": 2, "minute": 3}
